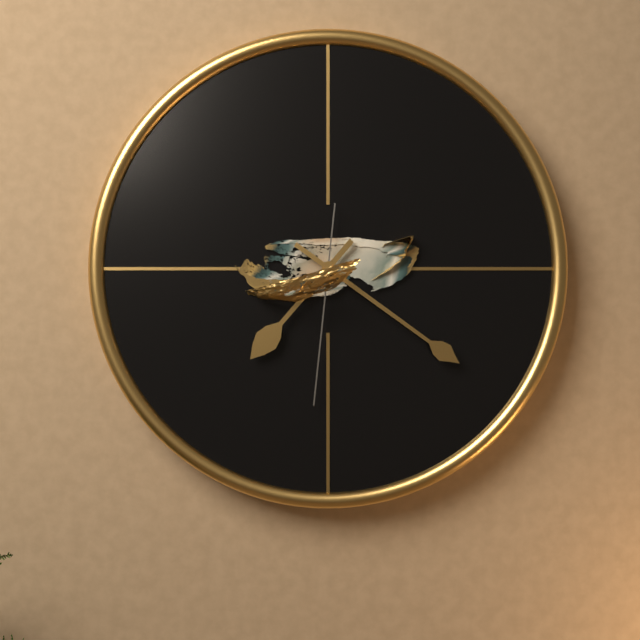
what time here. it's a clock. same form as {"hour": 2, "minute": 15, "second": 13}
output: {"hour": 7, "minute": 21, "second": 31}
